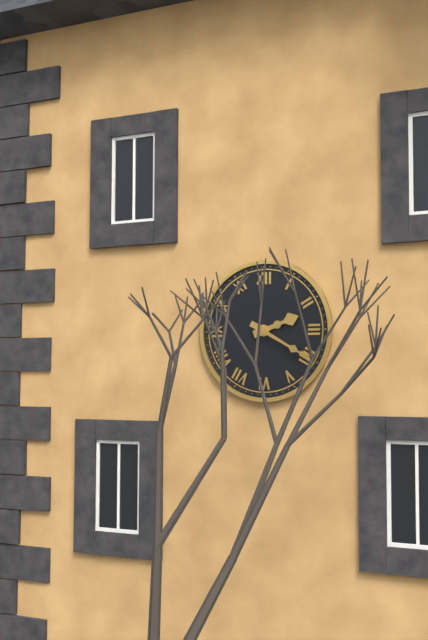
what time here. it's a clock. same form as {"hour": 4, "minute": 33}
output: {"hour": 2, "minute": 20}
